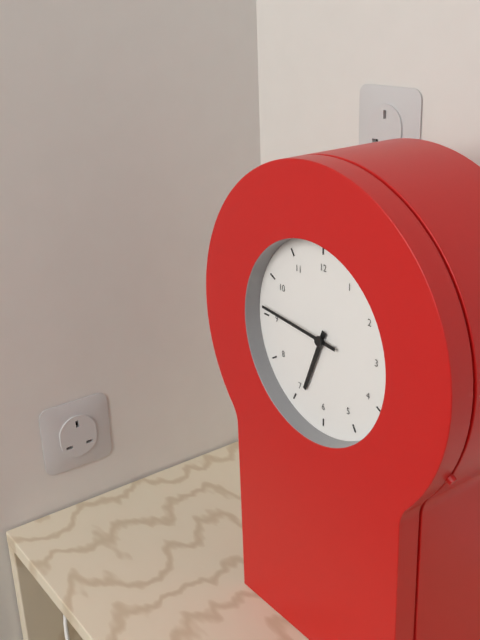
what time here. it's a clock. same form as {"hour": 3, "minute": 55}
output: {"hour": 6, "minute": 46}
